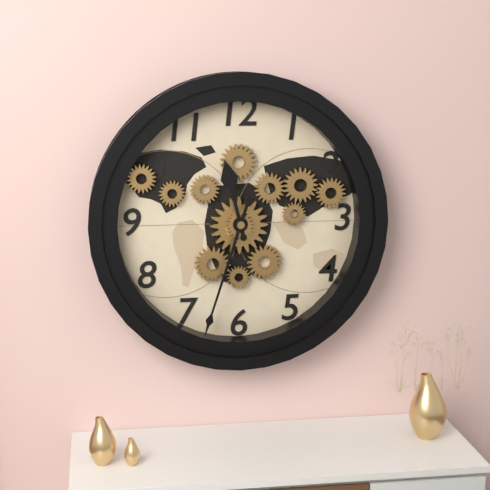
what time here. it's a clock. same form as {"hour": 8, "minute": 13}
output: {"hour": 11, "minute": 33}
